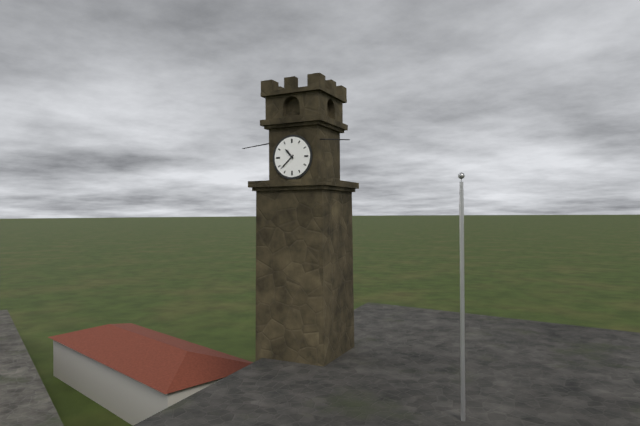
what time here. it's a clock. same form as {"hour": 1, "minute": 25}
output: {"hour": 10, "minute": 38}
